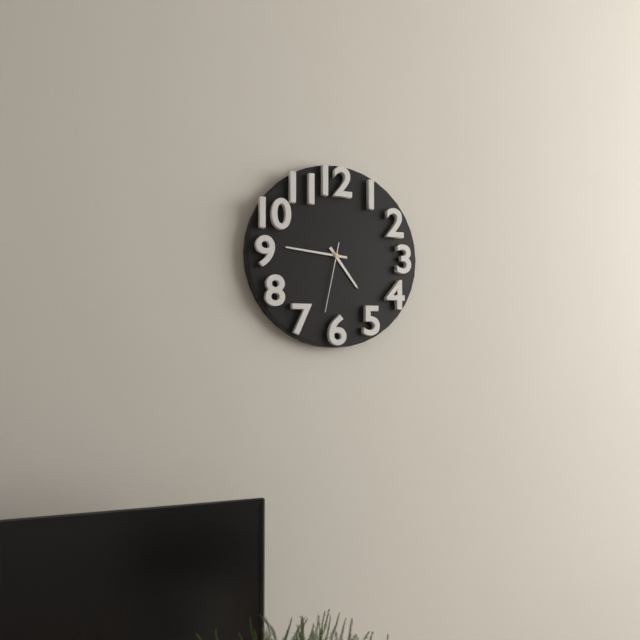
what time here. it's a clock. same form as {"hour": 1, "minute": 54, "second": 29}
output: {"hour": 4, "minute": 46, "second": 32}
